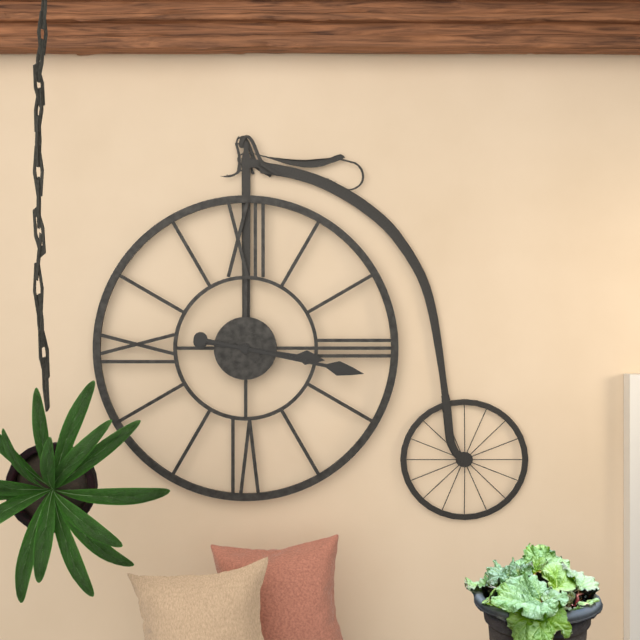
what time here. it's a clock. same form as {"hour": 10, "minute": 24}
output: {"hour": 3, "minute": 17}
